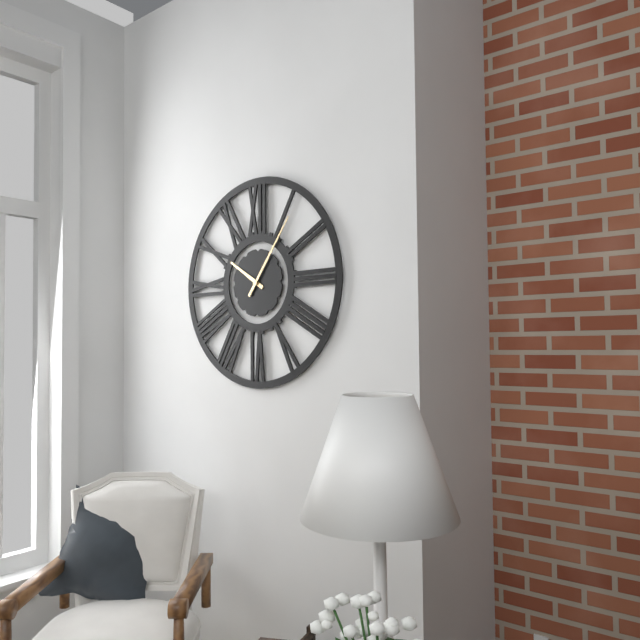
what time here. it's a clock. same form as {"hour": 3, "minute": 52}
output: {"hour": 10, "minute": 6}
